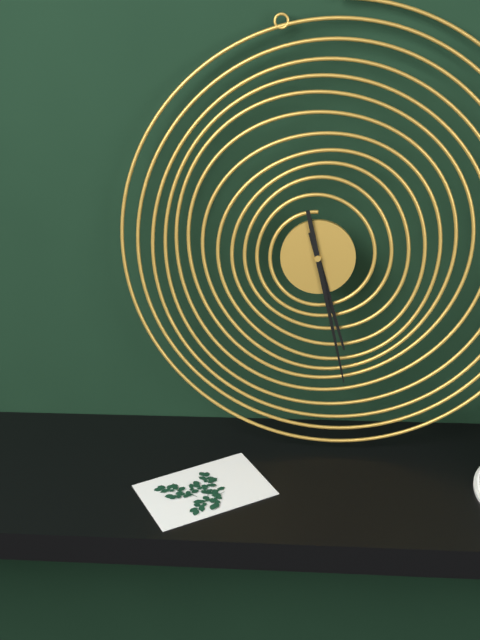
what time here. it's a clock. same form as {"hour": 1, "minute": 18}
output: {"hour": 5, "minute": 28}
